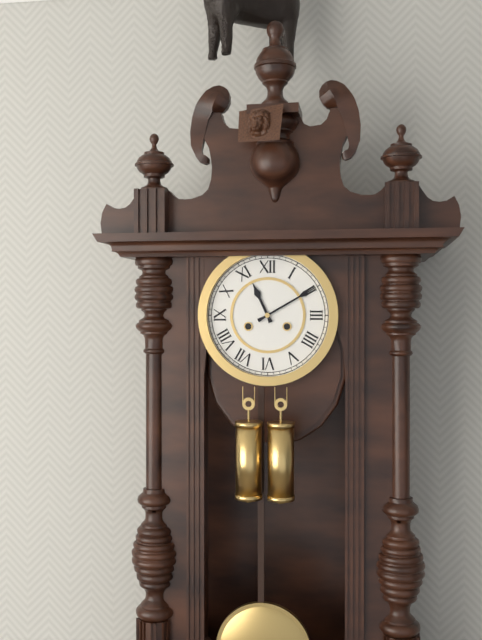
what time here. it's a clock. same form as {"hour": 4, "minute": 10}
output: {"hour": 11, "minute": 10}
